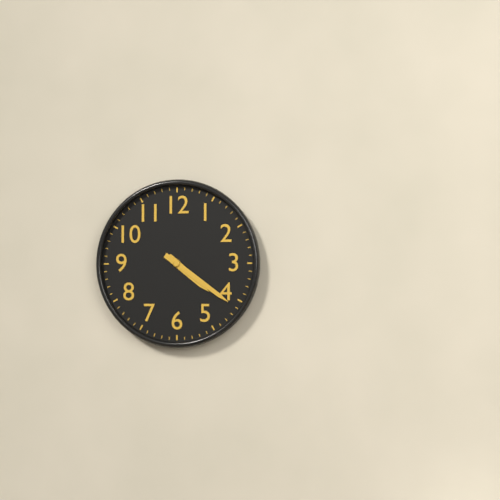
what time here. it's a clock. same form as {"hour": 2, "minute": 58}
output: {"hour": 4, "minute": 21}
